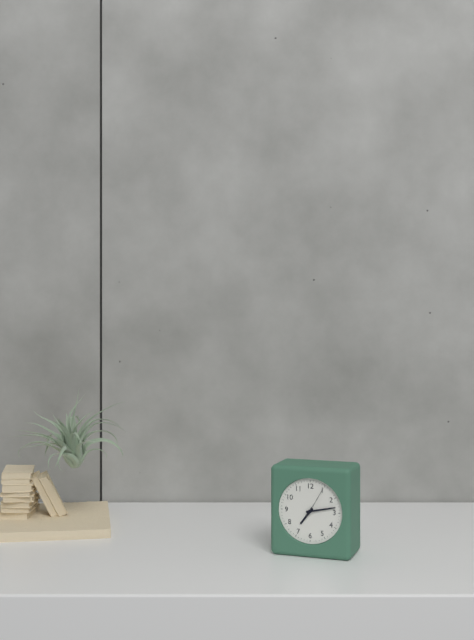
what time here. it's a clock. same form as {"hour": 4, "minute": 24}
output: {"hour": 7, "minute": 13}
